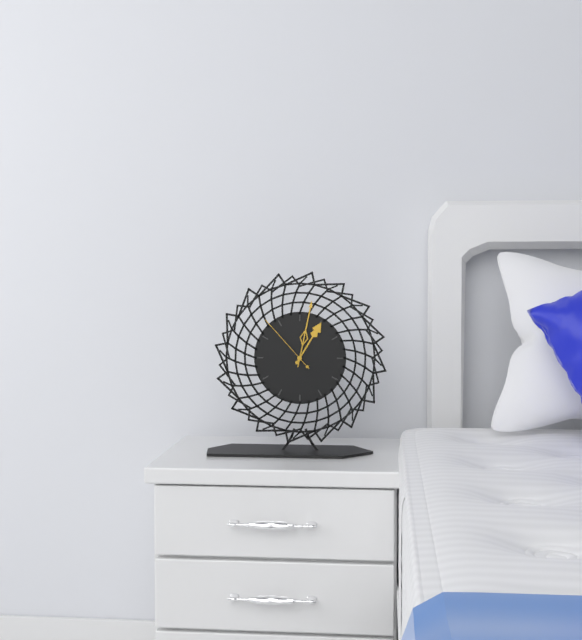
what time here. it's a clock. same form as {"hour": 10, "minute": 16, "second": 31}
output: {"hour": 1, "minute": 2, "second": 53}
